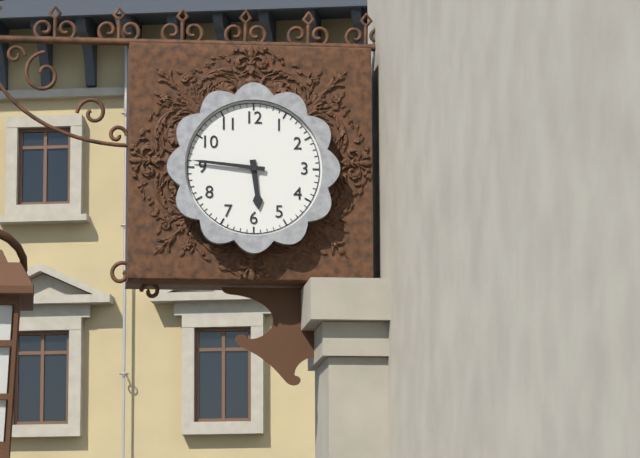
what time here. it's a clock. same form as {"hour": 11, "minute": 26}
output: {"hour": 5, "minute": 46}
